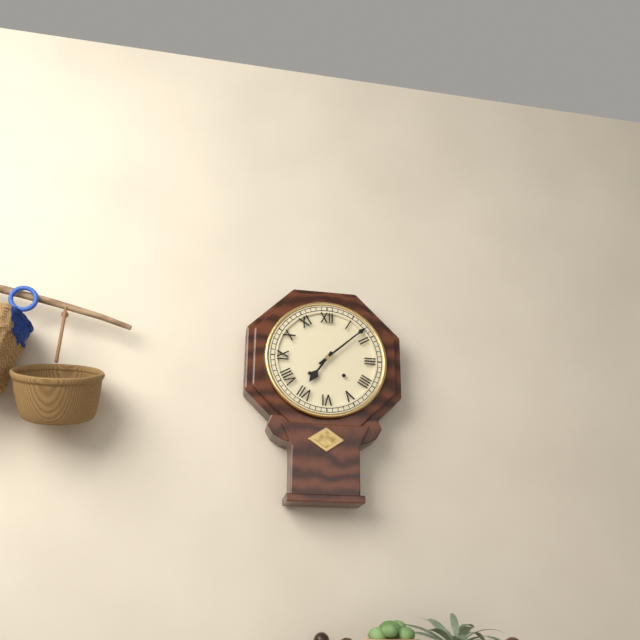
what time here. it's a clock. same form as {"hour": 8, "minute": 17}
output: {"hour": 7, "minute": 8}
